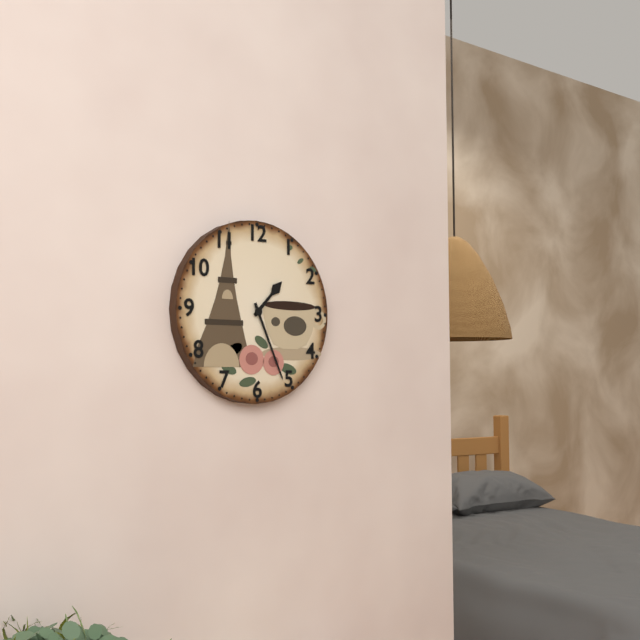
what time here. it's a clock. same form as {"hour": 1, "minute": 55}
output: {"hour": 1, "minute": 26}
